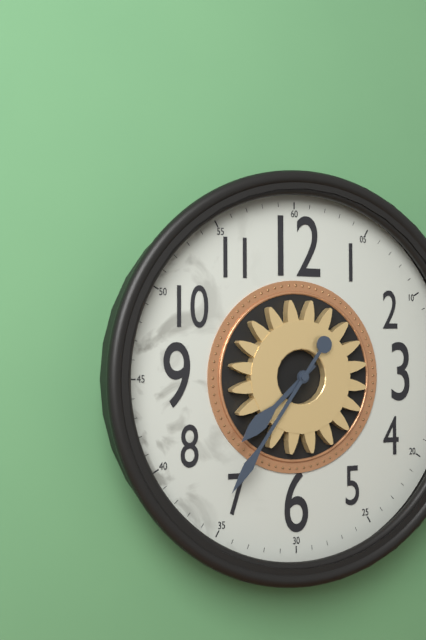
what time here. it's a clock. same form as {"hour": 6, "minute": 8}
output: {"hour": 7, "minute": 36}
